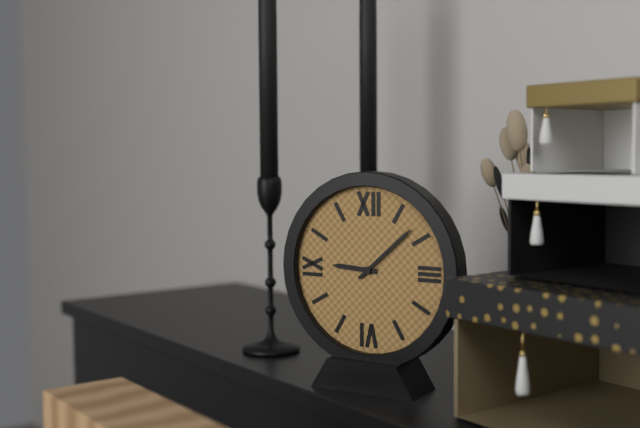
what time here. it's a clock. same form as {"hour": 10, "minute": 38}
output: {"hour": 9, "minute": 8}
